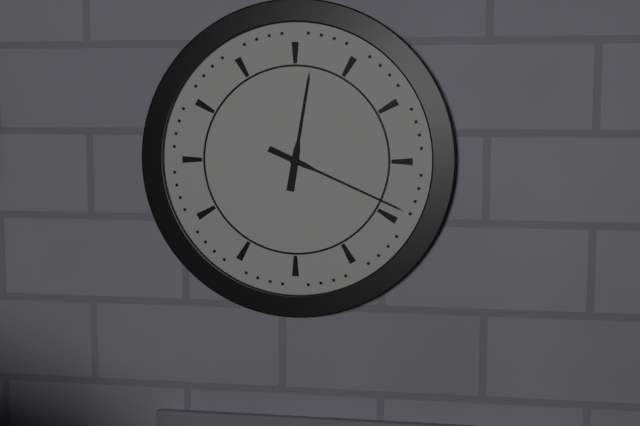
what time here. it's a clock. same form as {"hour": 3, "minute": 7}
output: {"hour": 12, "minute": 19}
